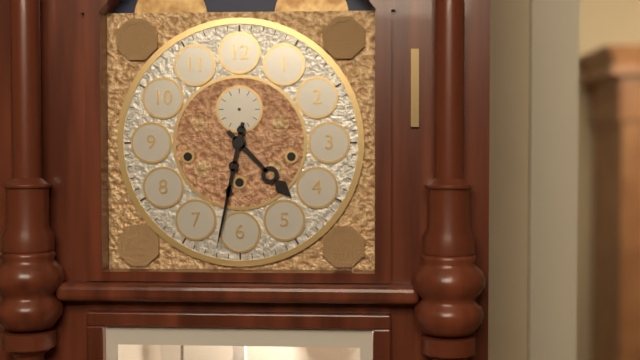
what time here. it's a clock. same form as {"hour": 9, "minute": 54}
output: {"hour": 4, "minute": 32}
